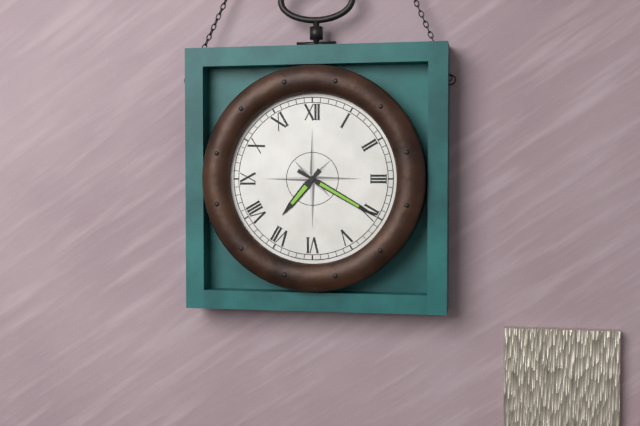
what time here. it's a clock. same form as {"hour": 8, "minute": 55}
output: {"hour": 7, "minute": 20}
